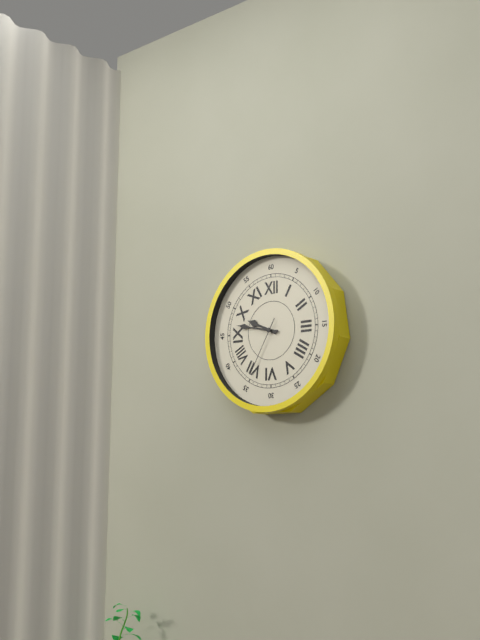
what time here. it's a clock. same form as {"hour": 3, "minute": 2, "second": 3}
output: {"hour": 9, "minute": 47, "second": 35}
